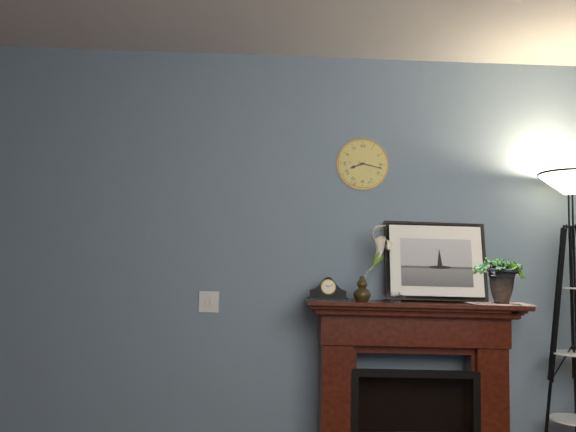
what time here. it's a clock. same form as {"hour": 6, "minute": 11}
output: {"hour": 8, "minute": 17}
